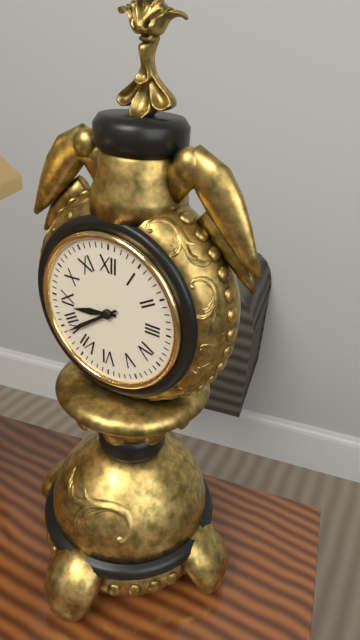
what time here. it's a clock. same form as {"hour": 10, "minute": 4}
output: {"hour": 8, "minute": 39}
